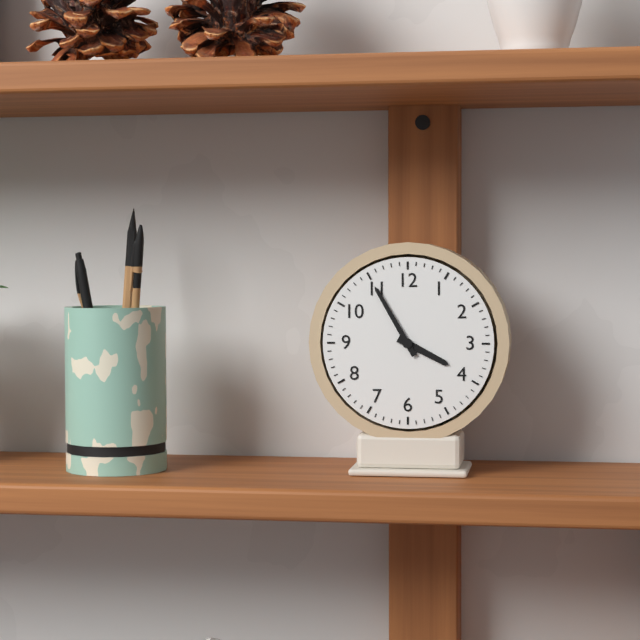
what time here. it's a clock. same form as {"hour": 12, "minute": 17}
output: {"hour": 3, "minute": 55}
